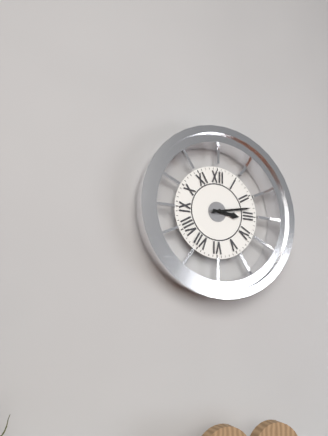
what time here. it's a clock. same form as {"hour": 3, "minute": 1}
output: {"hour": 3, "minute": 13}
